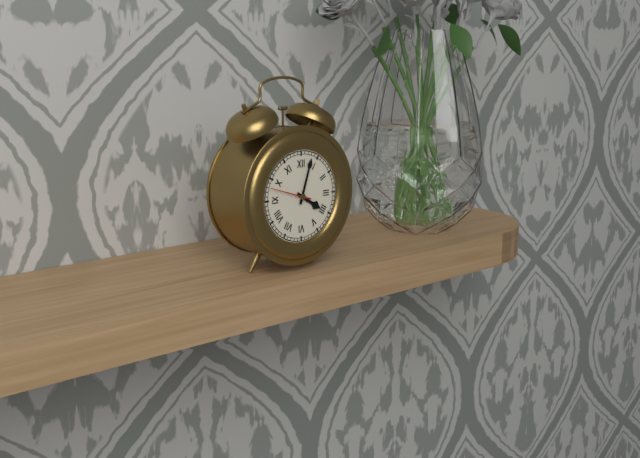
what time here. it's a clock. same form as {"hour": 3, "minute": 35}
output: {"hour": 4, "minute": 3}
